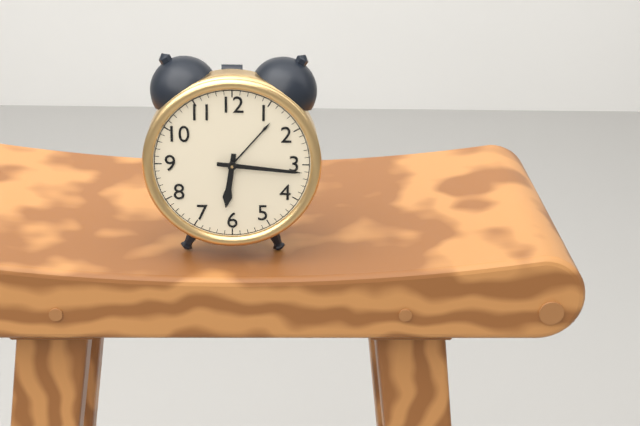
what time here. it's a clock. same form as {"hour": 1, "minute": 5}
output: {"hour": 6, "minute": 16}
